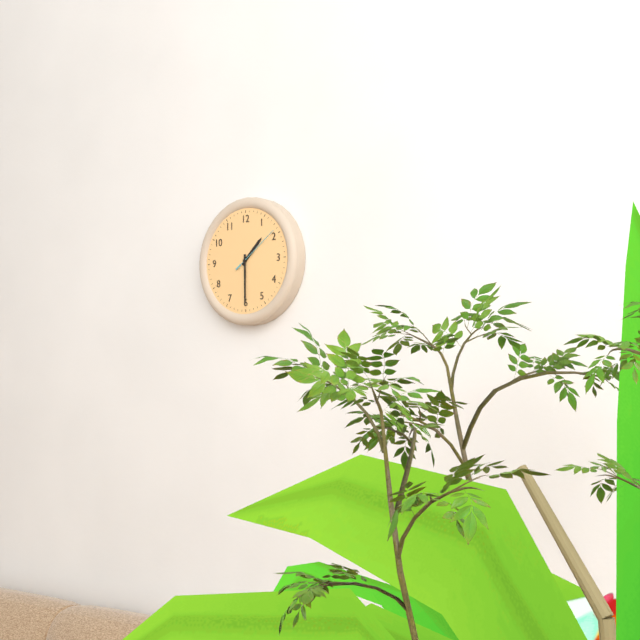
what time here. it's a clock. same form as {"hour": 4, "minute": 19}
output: {"hour": 1, "minute": 30}
